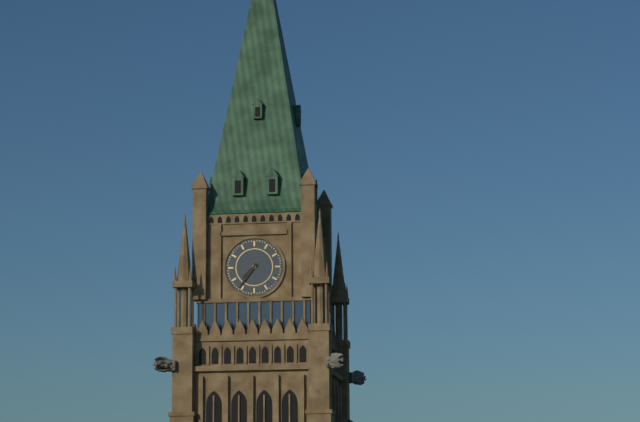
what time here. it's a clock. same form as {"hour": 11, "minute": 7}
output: {"hour": 7, "minute": 36}
